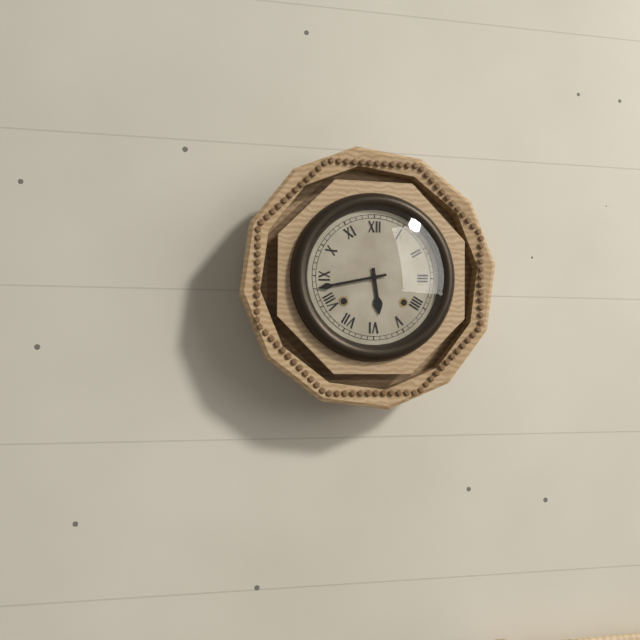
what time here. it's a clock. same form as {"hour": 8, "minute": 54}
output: {"hour": 5, "minute": 43}
